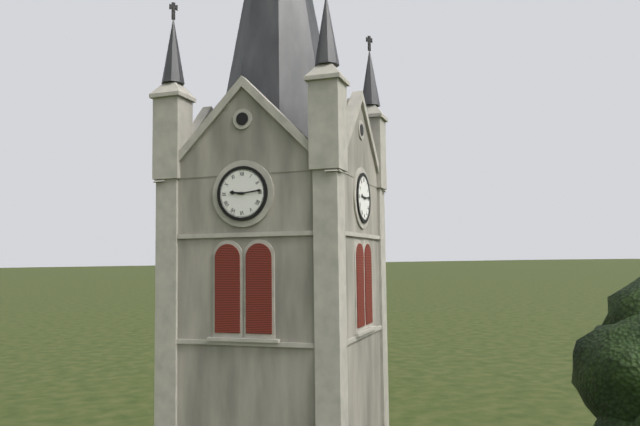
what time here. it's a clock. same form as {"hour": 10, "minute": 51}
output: {"hour": 9, "minute": 14}
